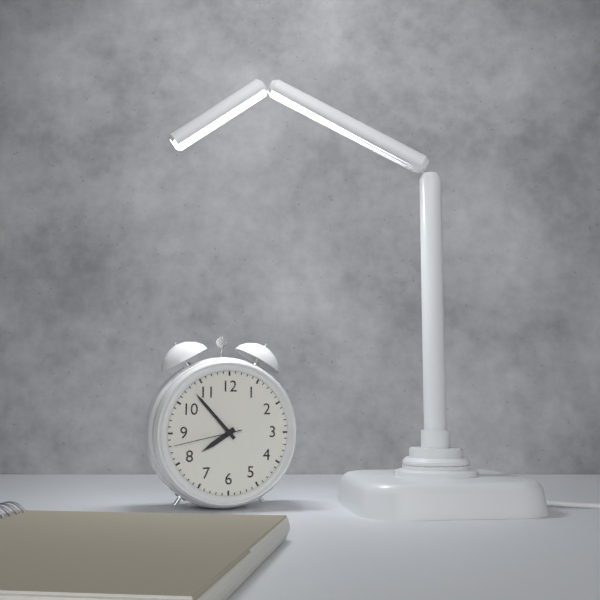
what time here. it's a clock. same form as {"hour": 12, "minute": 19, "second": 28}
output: {"hour": 7, "minute": 53, "second": 43}
